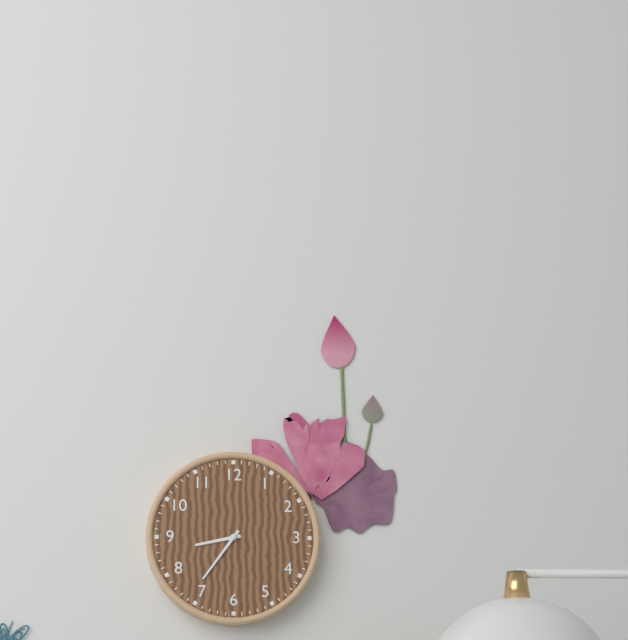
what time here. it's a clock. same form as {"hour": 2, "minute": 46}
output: {"hour": 8, "minute": 36}
